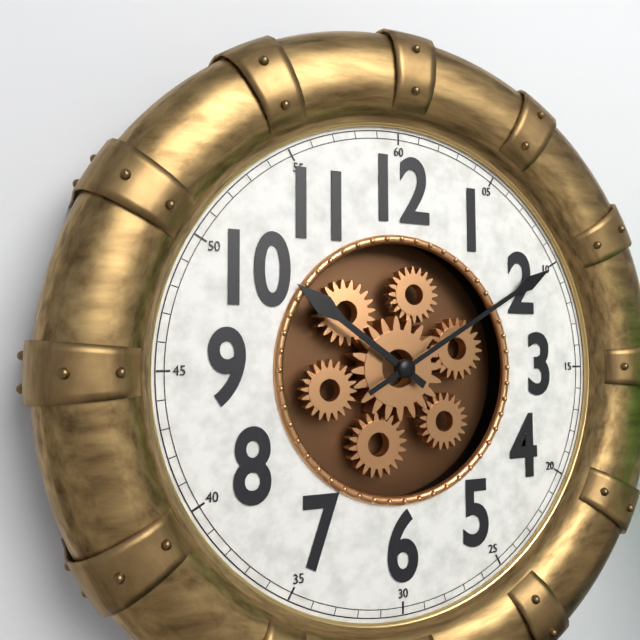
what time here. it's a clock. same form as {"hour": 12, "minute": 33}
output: {"hour": 10, "minute": 10}
